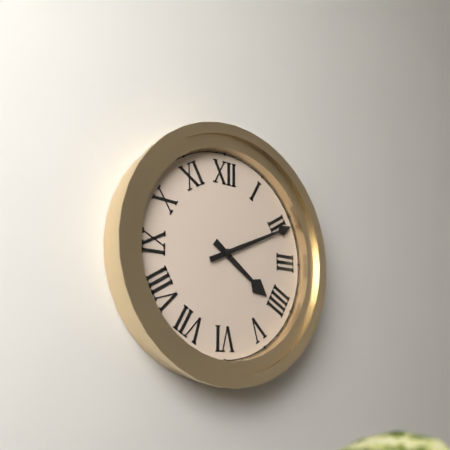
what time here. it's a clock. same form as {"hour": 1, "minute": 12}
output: {"hour": 4, "minute": 11}
